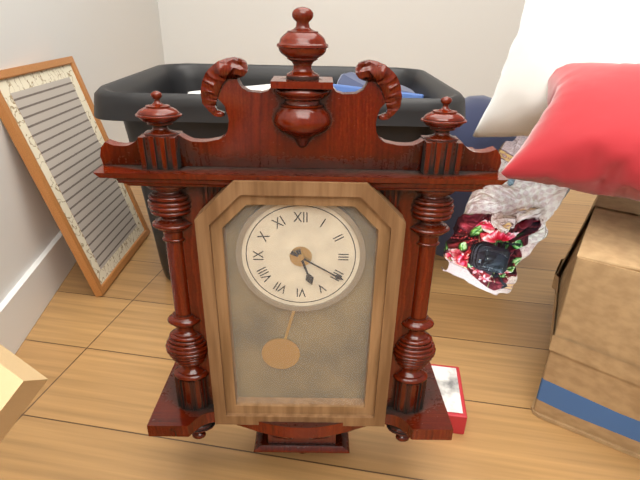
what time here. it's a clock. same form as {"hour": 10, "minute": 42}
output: {"hour": 5, "minute": 20}
